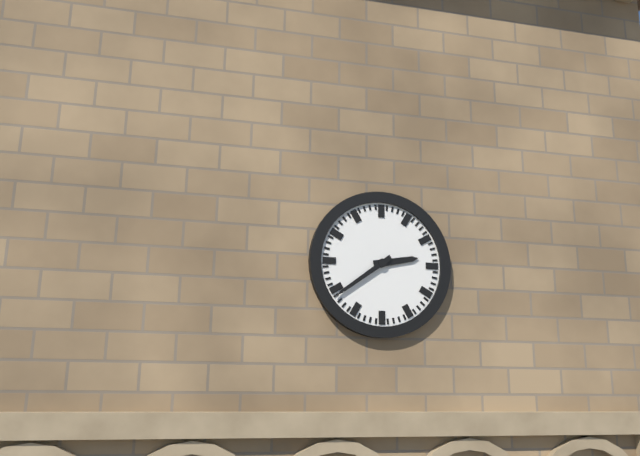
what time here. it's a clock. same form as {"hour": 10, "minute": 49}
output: {"hour": 2, "minute": 39}
